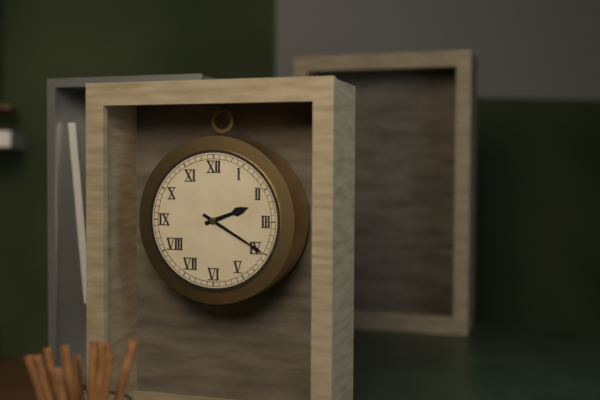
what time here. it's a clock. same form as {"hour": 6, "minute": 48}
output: {"hour": 2, "minute": 20}
